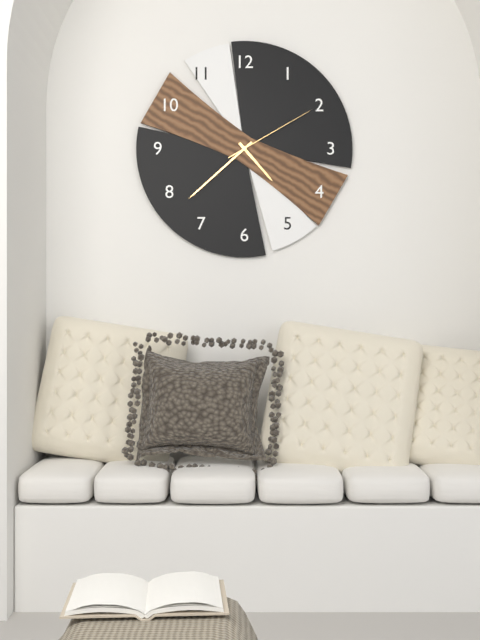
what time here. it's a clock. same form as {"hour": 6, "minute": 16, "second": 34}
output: {"hour": 4, "minute": 38, "second": 10}
